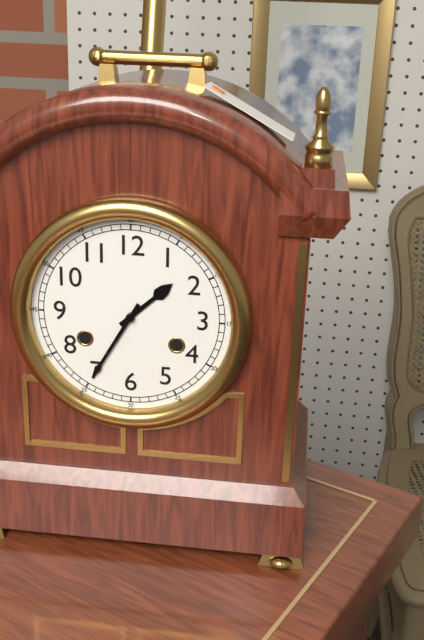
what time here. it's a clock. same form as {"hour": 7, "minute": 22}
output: {"hour": 1, "minute": 35}
